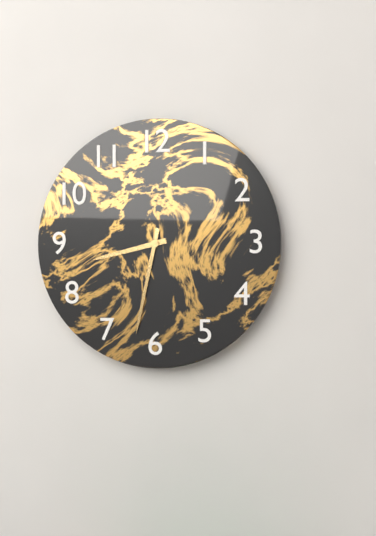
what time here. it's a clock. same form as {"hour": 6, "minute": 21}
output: {"hour": 8, "minute": 32}
